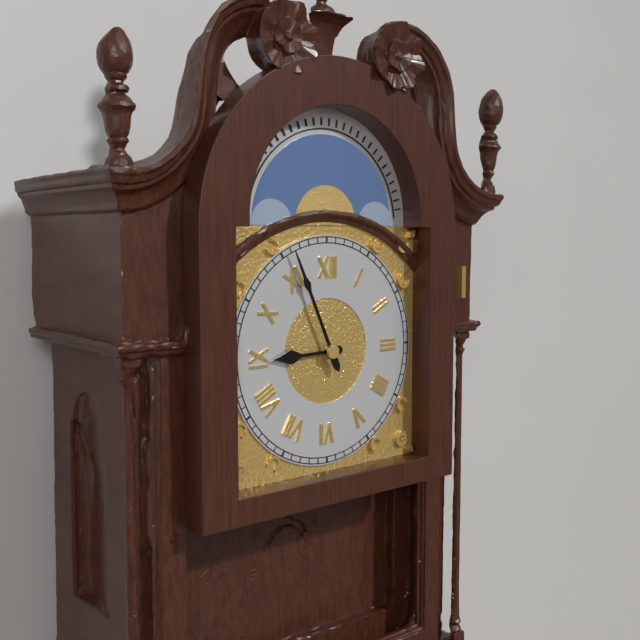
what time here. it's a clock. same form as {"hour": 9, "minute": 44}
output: {"hour": 8, "minute": 56}
